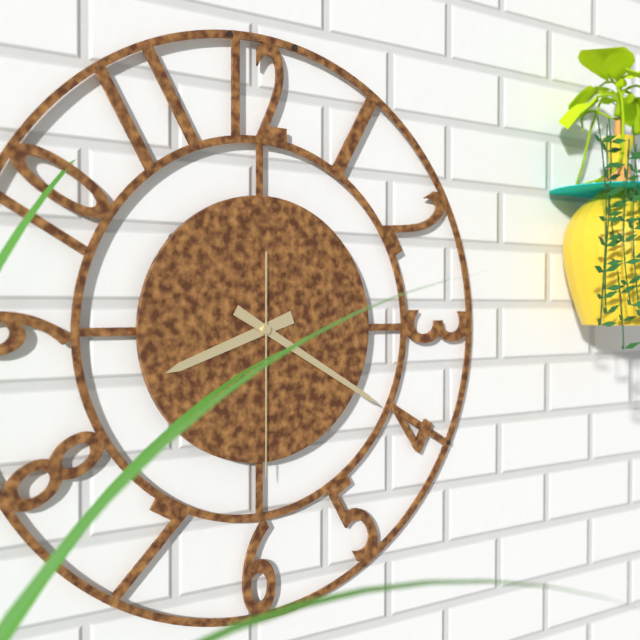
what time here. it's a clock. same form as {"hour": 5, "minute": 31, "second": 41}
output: {"hour": 8, "minute": 20, "second": 30}
